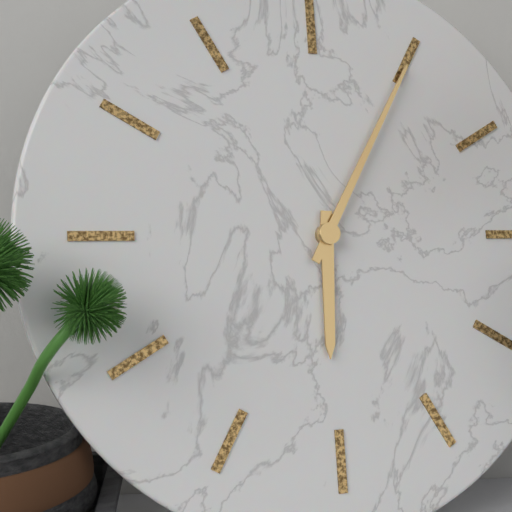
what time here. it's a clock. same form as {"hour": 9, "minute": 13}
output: {"hour": 6, "minute": 5}
